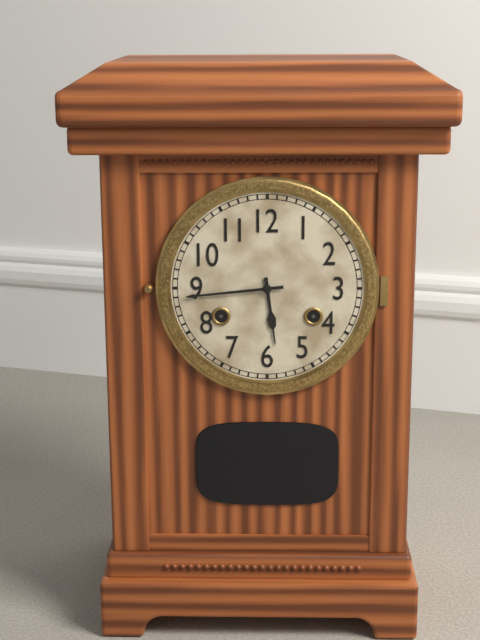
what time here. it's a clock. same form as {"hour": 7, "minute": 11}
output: {"hour": 5, "minute": 44}
